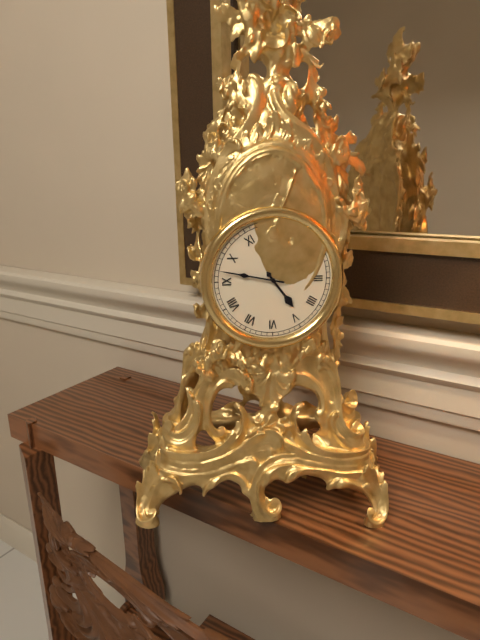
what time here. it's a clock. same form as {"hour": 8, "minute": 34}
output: {"hour": 4, "minute": 47}
